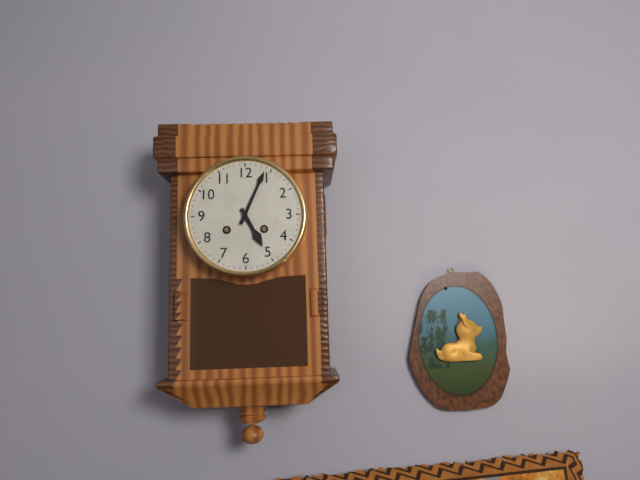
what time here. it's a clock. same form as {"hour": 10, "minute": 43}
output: {"hour": 5, "minute": 4}
